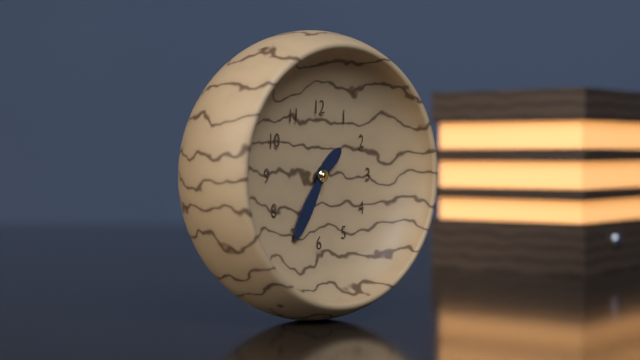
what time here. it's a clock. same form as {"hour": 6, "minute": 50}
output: {"hour": 1, "minute": 35}
